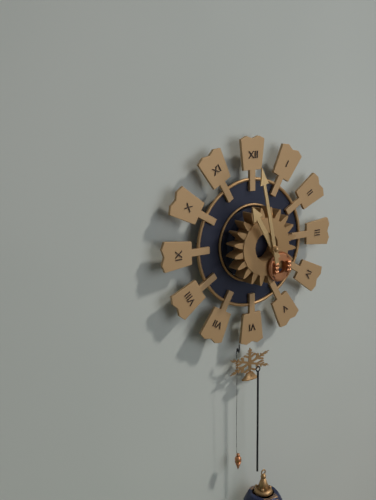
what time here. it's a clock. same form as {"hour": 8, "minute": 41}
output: {"hour": 10, "minute": 58}
